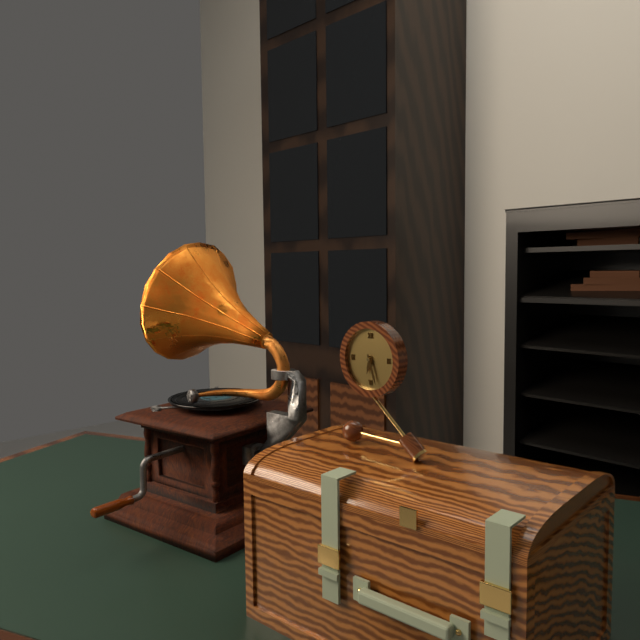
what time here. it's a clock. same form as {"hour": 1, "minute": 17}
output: {"hour": 6, "minute": 27}
